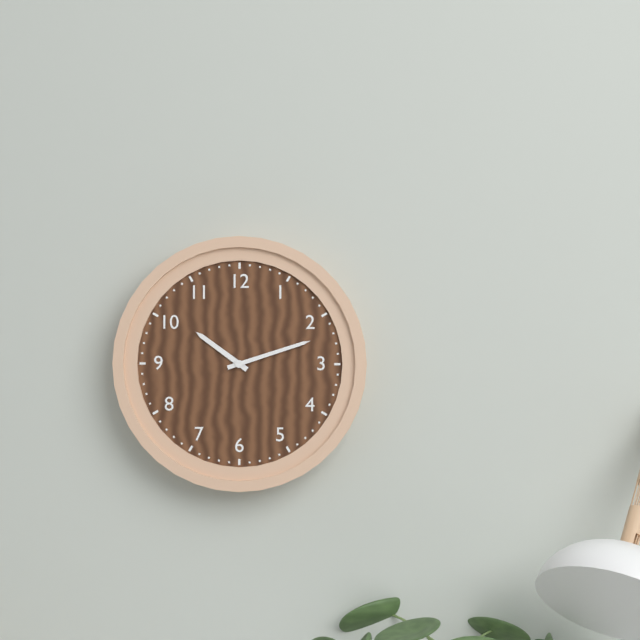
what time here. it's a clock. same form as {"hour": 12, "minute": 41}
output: {"hour": 10, "minute": 12}
